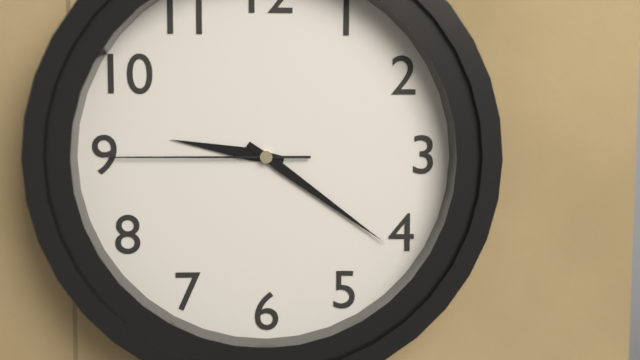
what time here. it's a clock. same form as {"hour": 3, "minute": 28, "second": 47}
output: {"hour": 9, "minute": 21, "second": 45}
